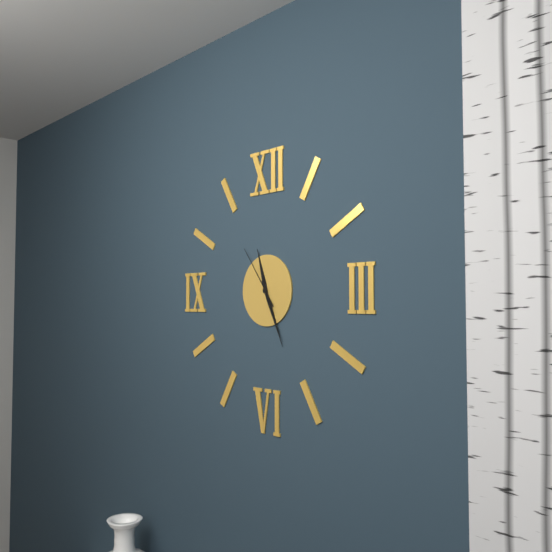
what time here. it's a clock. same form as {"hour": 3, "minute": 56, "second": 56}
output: {"hour": 11, "minute": 26, "second": 54}
